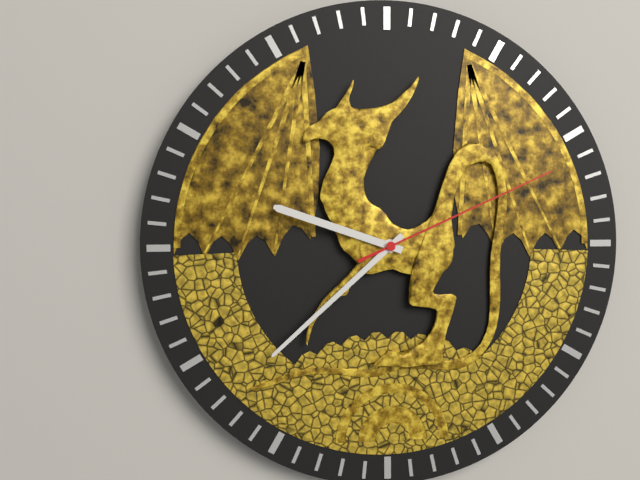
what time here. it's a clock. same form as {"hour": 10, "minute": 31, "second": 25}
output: {"hour": 9, "minute": 38, "second": 11}
